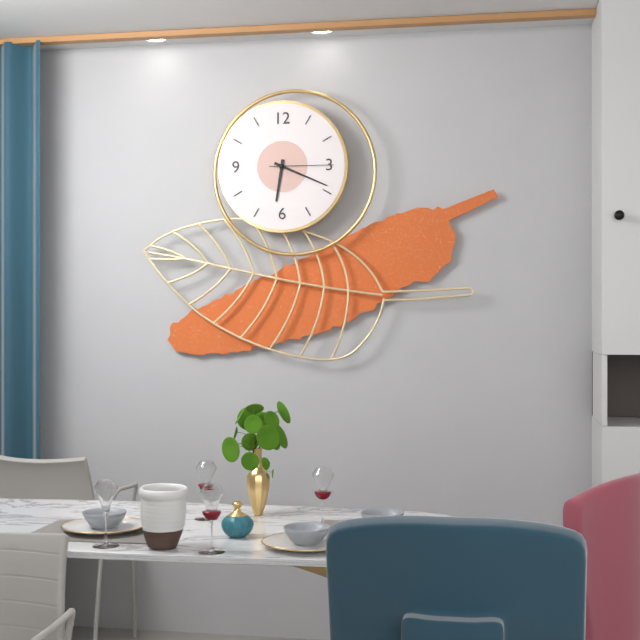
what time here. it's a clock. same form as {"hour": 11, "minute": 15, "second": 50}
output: {"hour": 6, "minute": 19, "second": 15}
